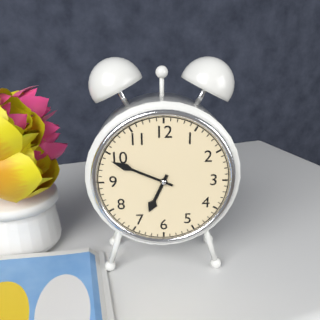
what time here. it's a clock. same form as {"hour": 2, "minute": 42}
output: {"hour": 6, "minute": 49}
